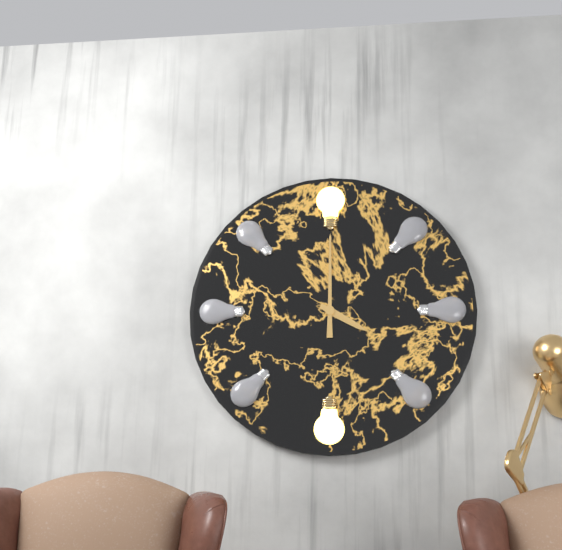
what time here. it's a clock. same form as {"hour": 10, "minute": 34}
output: {"hour": 4, "minute": 0}
